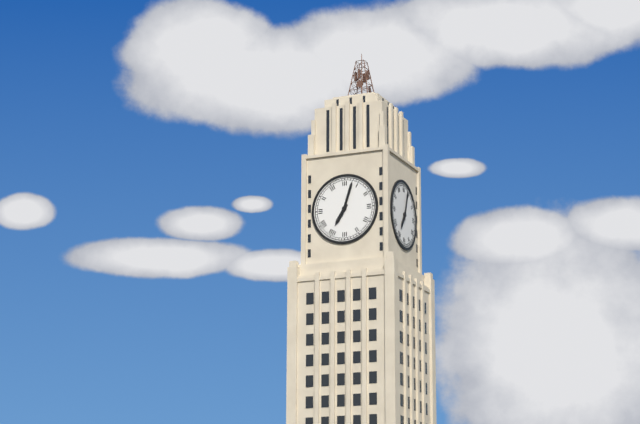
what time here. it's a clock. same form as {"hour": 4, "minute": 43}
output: {"hour": 7, "minute": 3}
